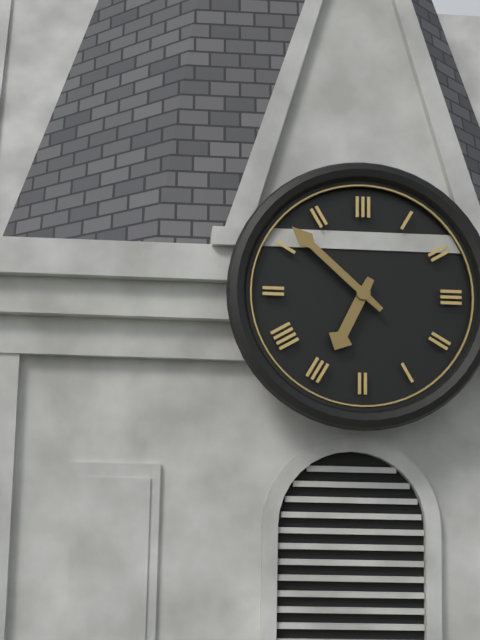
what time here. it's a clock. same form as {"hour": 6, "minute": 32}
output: {"hour": 6, "minute": 52}
